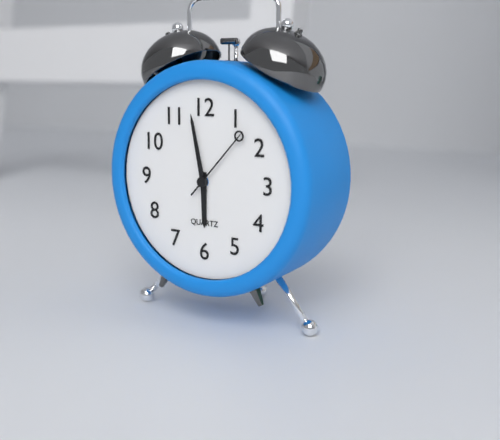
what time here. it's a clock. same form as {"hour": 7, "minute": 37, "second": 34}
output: {"hour": 5, "minute": 58, "second": 7}
